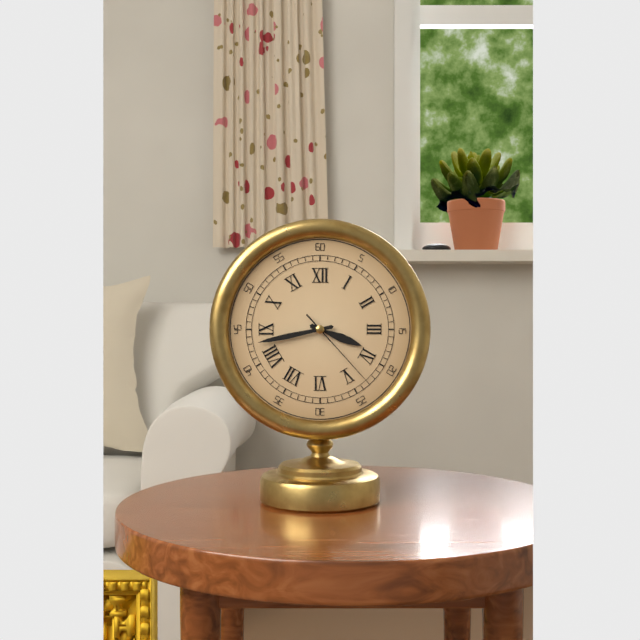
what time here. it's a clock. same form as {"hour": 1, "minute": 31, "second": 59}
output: {"hour": 3, "minute": 43, "second": 23}
